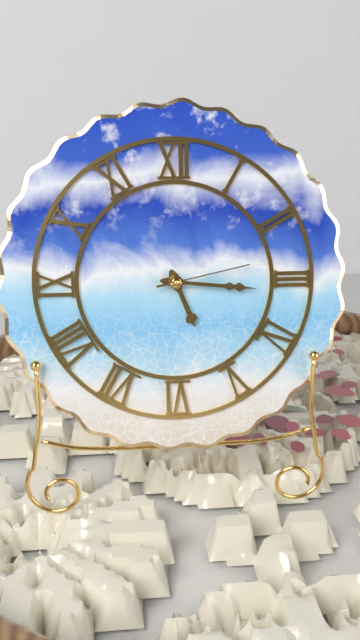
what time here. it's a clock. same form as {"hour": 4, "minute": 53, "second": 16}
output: {"hour": 5, "minute": 16, "second": 13}
